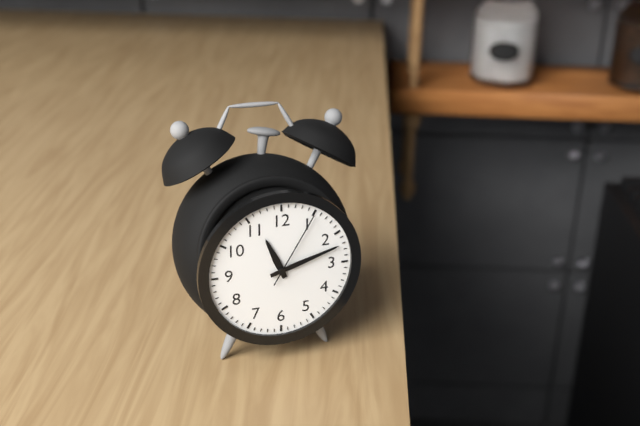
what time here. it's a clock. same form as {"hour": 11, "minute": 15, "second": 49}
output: {"hour": 11, "minute": 12, "second": 5}
